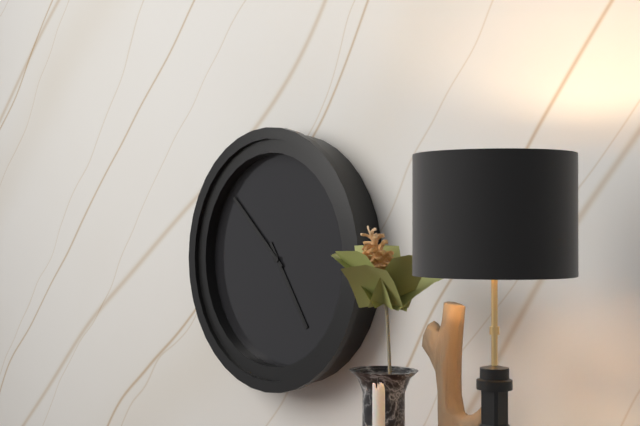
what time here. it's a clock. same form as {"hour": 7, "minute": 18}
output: {"hour": 4, "minute": 52}
